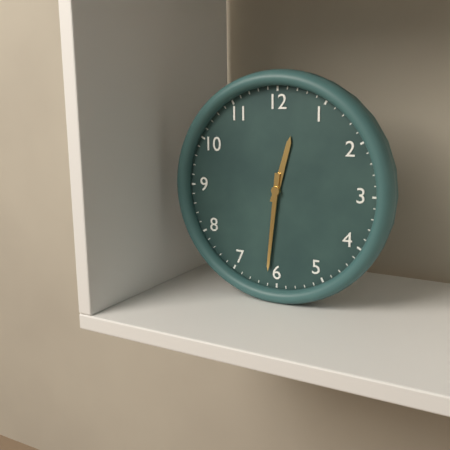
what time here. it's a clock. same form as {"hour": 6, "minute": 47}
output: {"hour": 12, "minute": 31}
